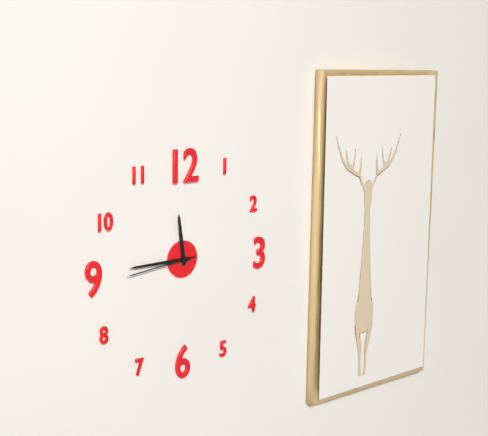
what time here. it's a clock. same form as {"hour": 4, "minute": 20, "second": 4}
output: {"hour": 11, "minute": 45, "second": 44}
